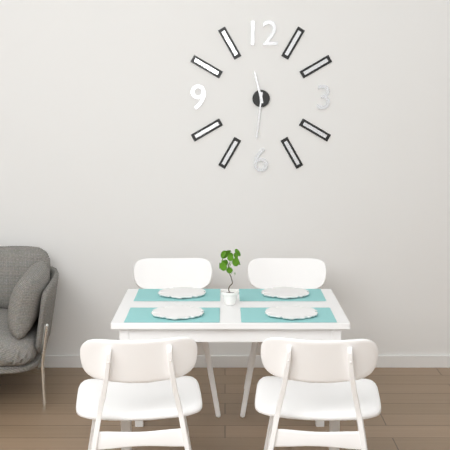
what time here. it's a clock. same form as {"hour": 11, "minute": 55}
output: {"hour": 11, "minute": 31}
